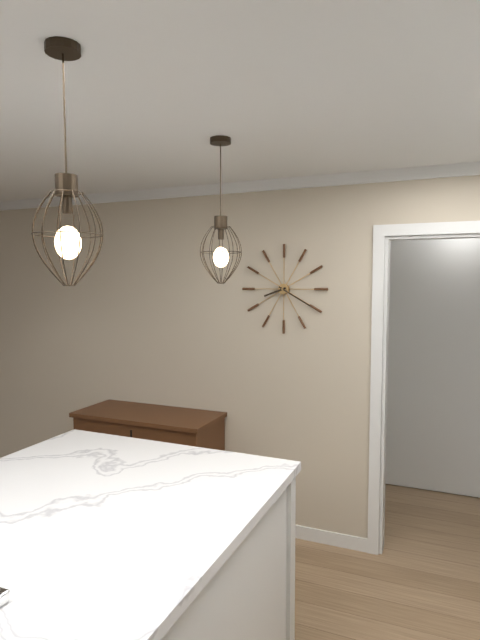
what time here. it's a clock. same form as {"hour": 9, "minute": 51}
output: {"hour": 8, "minute": 20}
